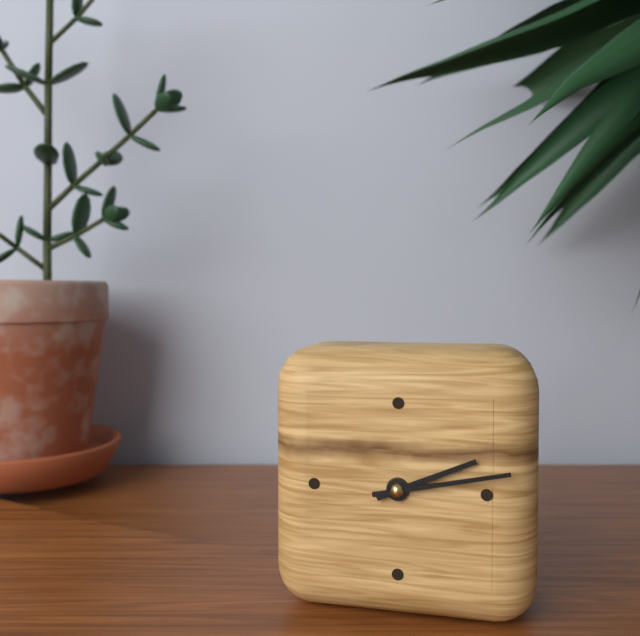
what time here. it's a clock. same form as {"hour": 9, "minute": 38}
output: {"hour": 2, "minute": 13}
